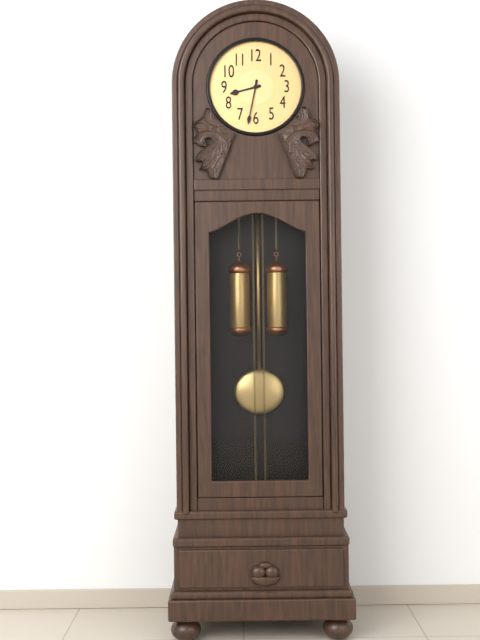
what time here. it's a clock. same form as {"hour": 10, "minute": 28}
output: {"hour": 8, "minute": 32}
